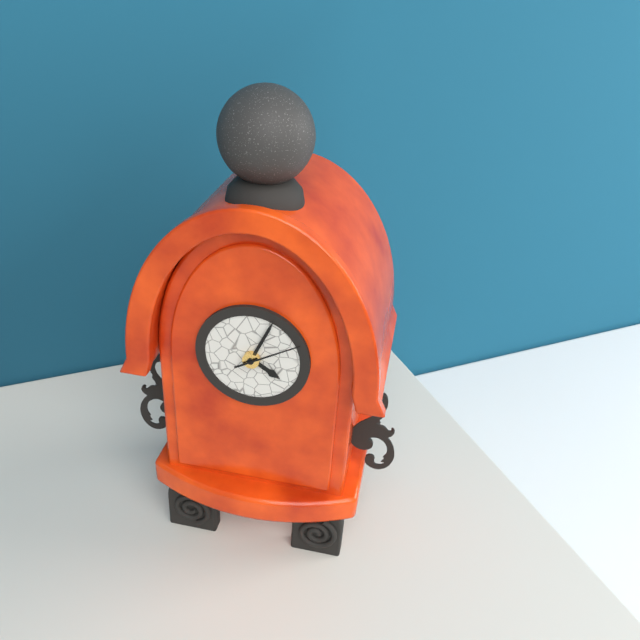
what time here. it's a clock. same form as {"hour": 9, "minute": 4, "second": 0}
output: {"hour": 4, "minute": 4, "second": 10}
